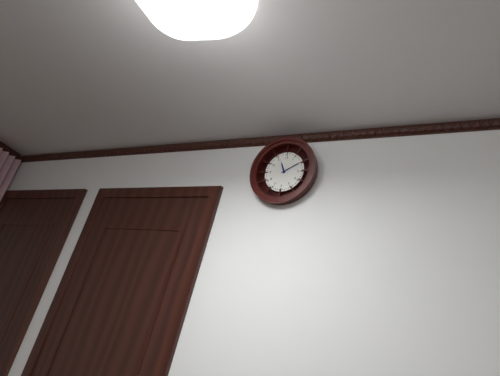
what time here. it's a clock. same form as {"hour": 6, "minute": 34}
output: {"hour": 11, "minute": 10}
